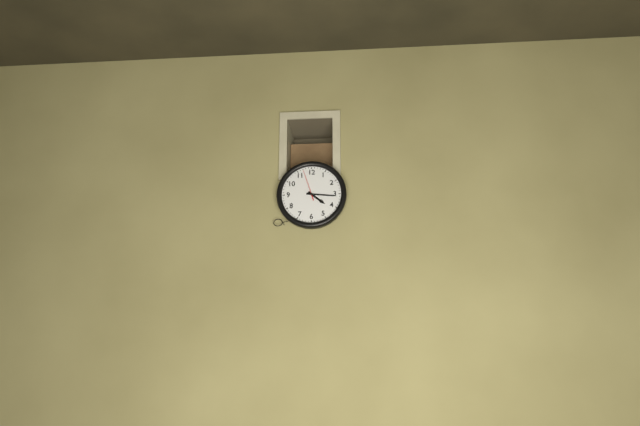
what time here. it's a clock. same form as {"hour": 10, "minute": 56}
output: {"hour": 4, "minute": 16}
